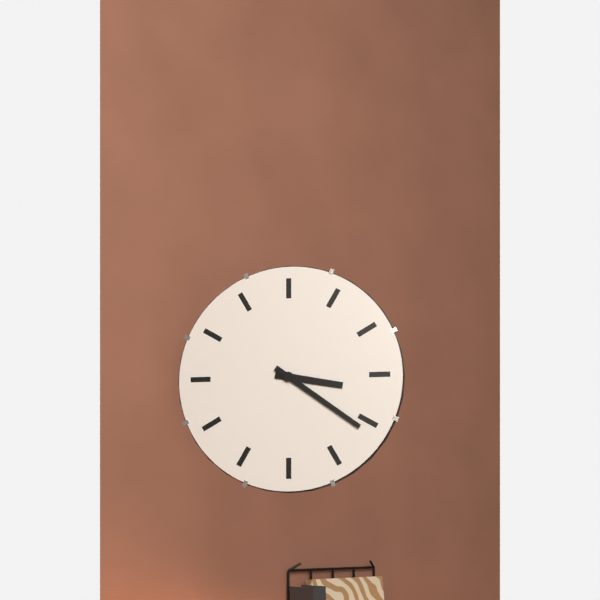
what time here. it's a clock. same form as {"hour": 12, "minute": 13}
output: {"hour": 3, "minute": 21}
